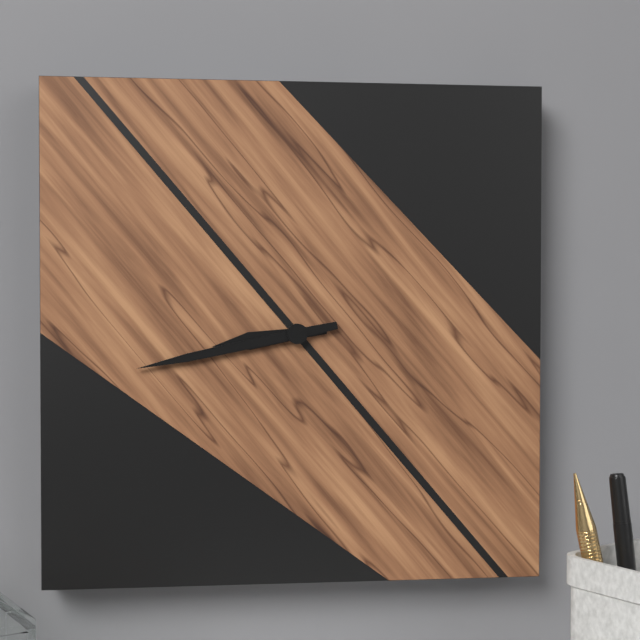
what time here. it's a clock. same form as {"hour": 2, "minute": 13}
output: {"hour": 8, "minute": 43}
